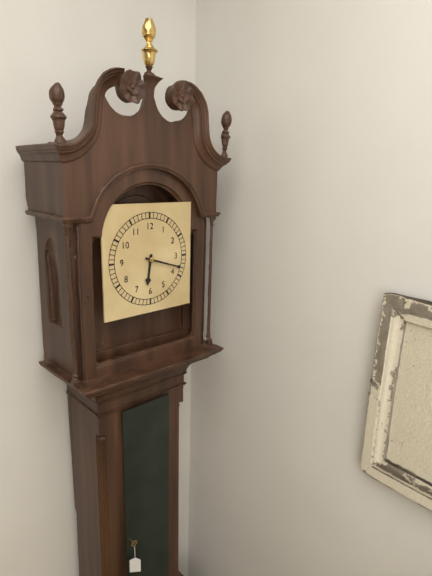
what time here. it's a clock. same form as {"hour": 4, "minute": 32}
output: {"hour": 6, "minute": 18}
